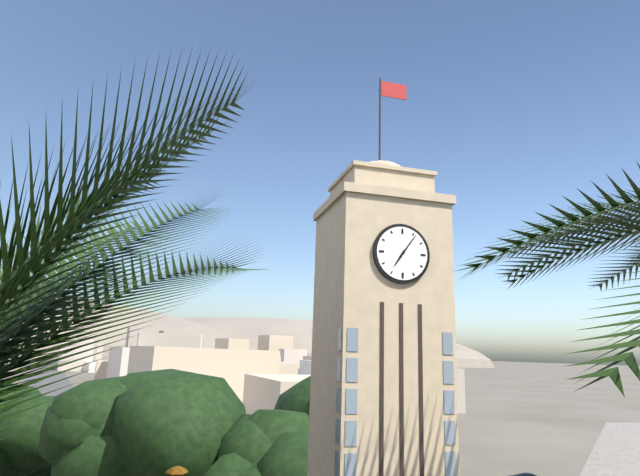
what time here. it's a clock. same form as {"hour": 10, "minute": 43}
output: {"hour": 7, "minute": 6}
